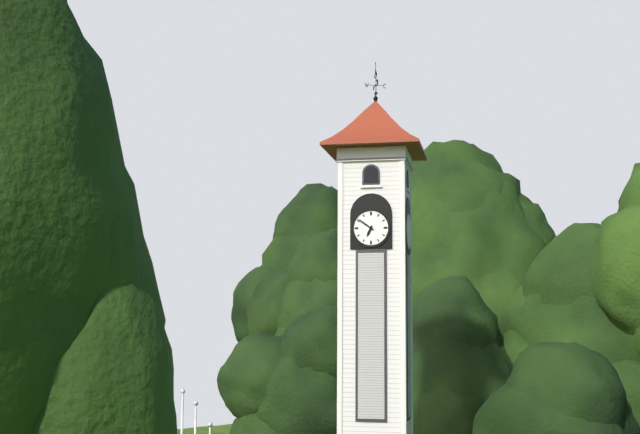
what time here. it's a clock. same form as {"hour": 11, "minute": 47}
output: {"hour": 6, "minute": 51}
